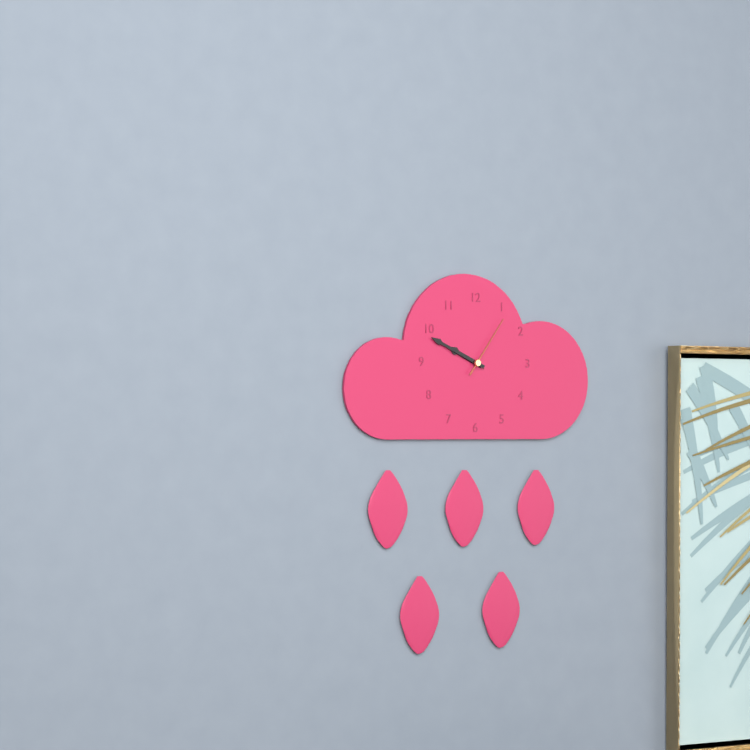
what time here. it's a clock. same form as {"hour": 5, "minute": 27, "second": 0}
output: {"hour": 9, "minute": 49, "second": 6}
